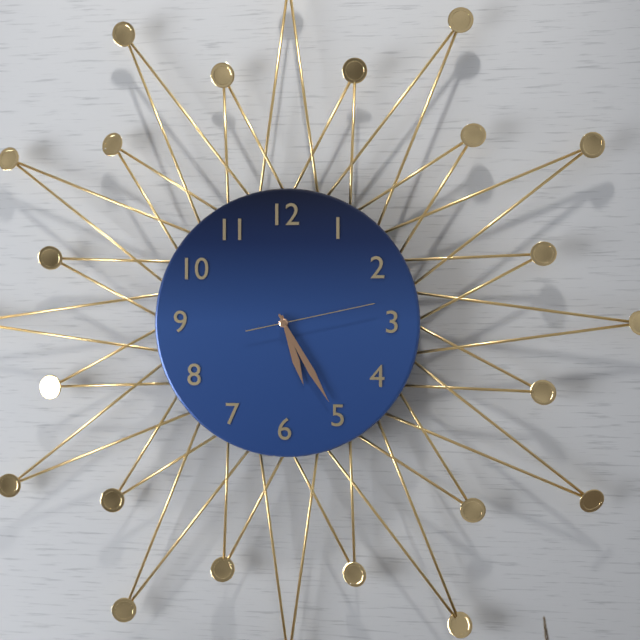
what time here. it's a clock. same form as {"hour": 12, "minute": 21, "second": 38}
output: {"hour": 5, "minute": 25, "second": 13}
